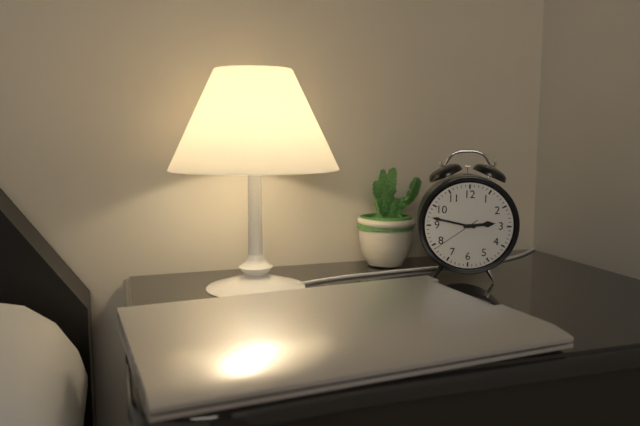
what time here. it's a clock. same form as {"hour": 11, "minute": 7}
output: {"hour": 2, "minute": 47}
